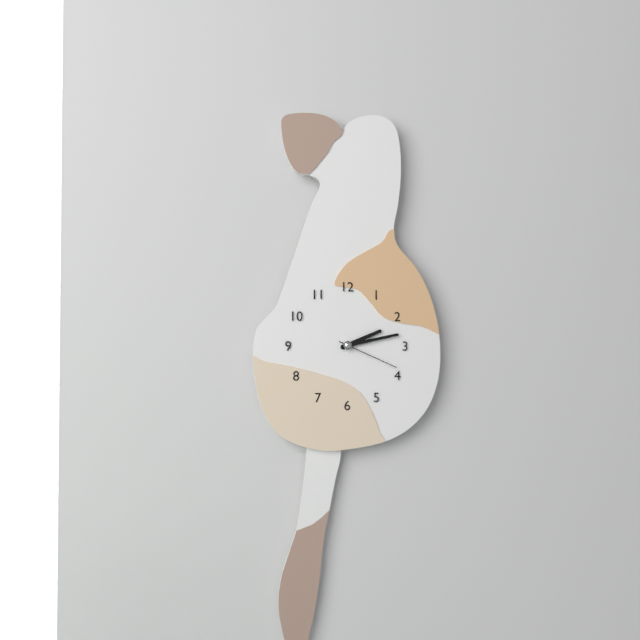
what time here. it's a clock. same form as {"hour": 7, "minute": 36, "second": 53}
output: {"hour": 2, "minute": 13, "second": 19}
